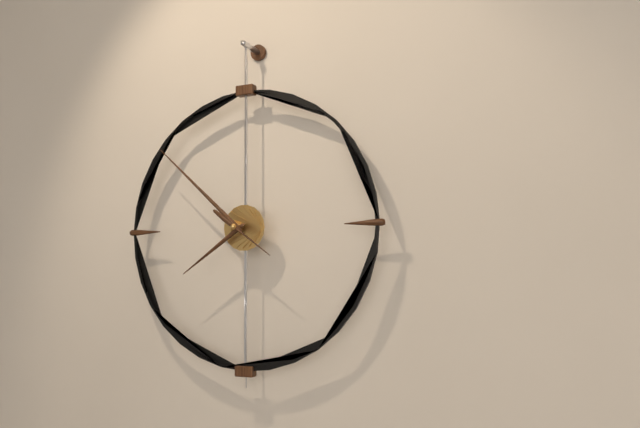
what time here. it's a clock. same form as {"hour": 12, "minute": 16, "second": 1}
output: {"hour": 7, "minute": 52, "second": 21}
